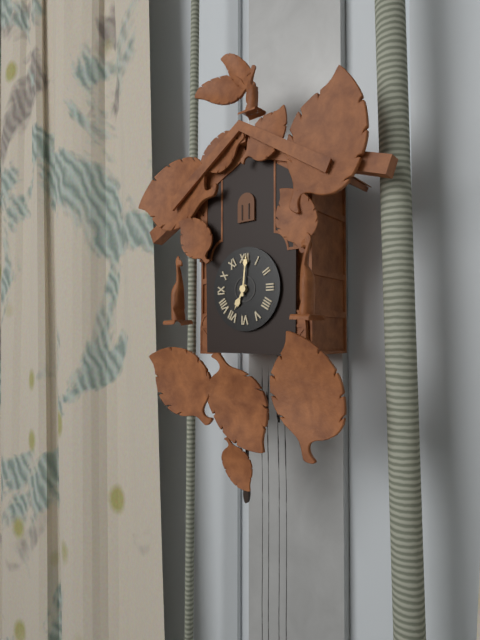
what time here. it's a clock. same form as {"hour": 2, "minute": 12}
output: {"hour": 7, "minute": 1}
